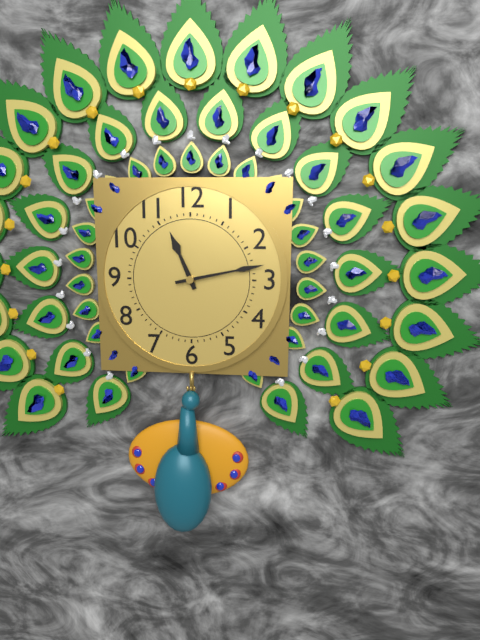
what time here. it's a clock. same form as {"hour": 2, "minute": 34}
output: {"hour": 11, "minute": 13}
